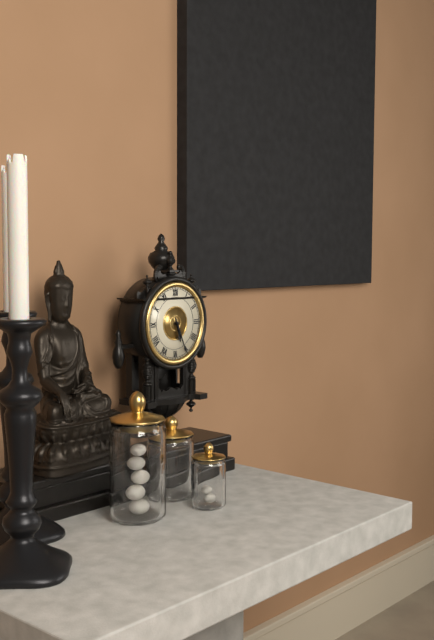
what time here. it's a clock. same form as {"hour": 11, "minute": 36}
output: {"hour": 5, "minute": 26}
